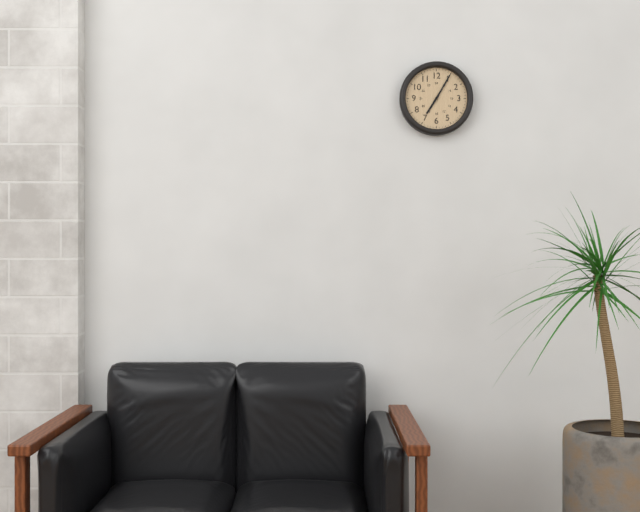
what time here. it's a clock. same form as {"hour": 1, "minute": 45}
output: {"hour": 7, "minute": 5}
